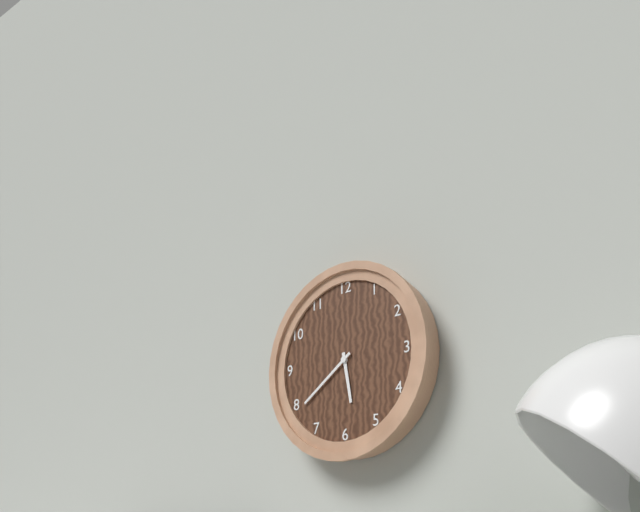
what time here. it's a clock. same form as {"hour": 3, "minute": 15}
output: {"hour": 5, "minute": 39}
